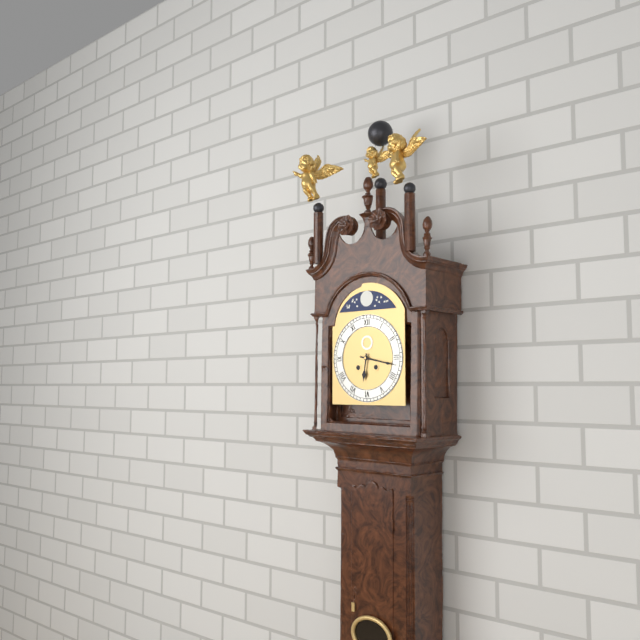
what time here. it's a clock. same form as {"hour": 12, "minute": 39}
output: {"hour": 6, "minute": 17}
